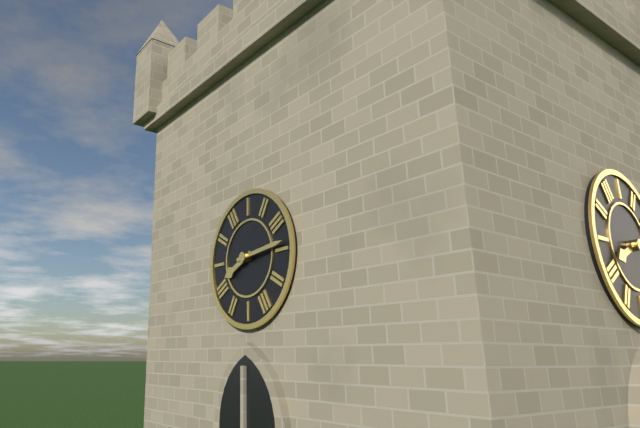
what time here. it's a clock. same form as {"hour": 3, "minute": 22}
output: {"hour": 8, "minute": 14}
